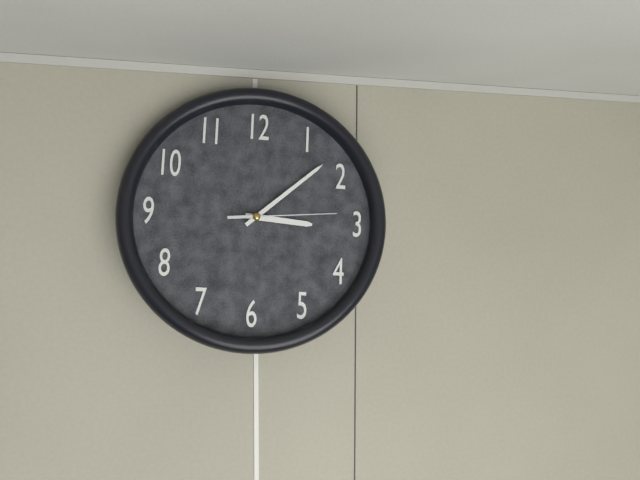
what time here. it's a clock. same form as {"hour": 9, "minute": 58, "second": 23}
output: {"hour": 3, "minute": 8, "second": 14}
